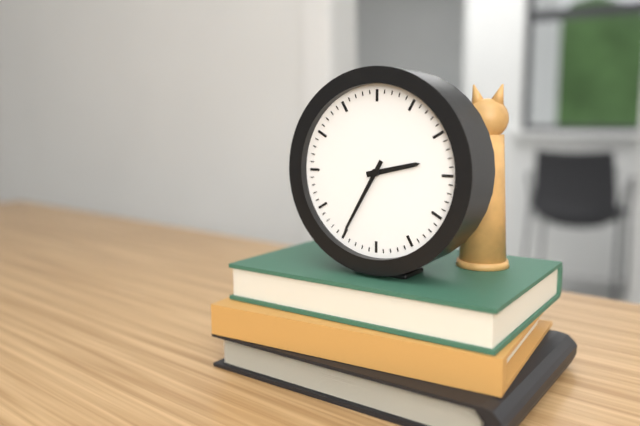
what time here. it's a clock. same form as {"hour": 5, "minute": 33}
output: {"hour": 2, "minute": 35}
